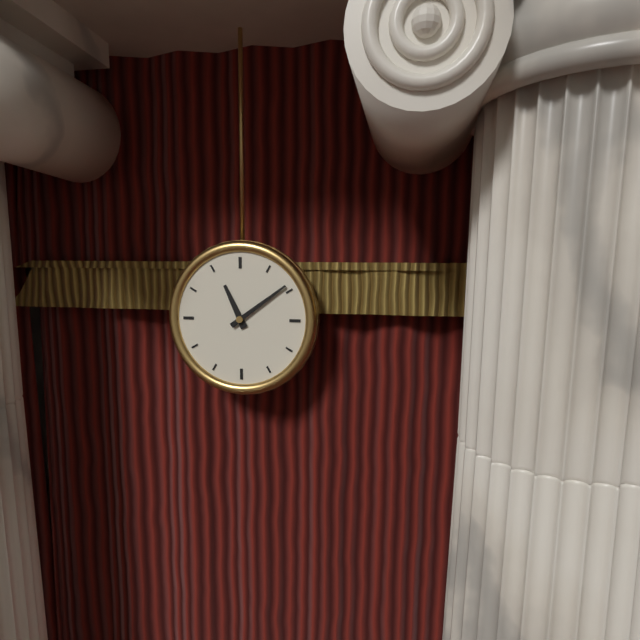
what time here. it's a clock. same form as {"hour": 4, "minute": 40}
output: {"hour": 11, "minute": 9}
